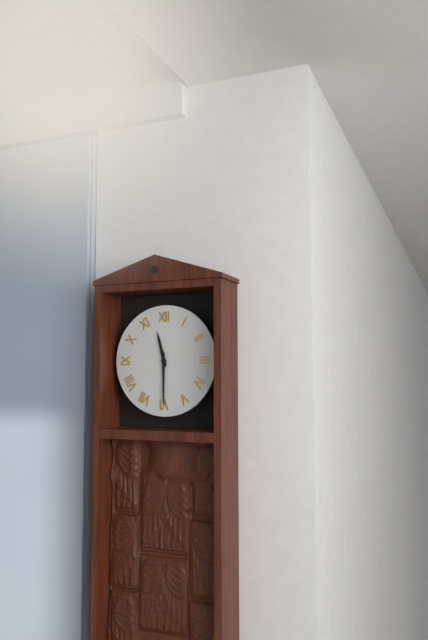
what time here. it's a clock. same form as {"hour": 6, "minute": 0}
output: {"hour": 11, "minute": 30}
